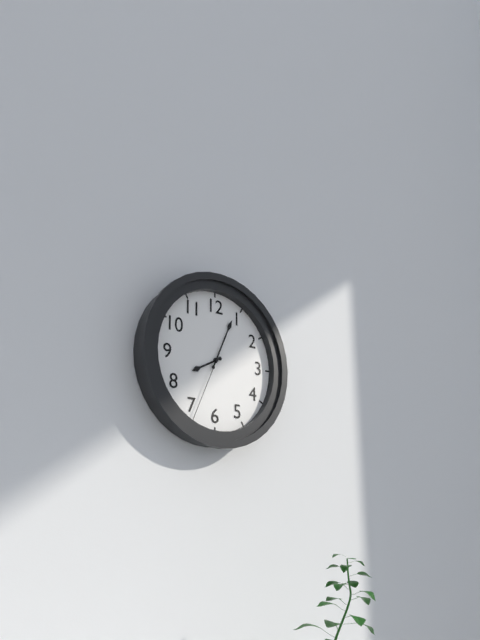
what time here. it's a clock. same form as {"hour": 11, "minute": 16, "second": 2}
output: {"hour": 8, "minute": 4, "second": 34}
